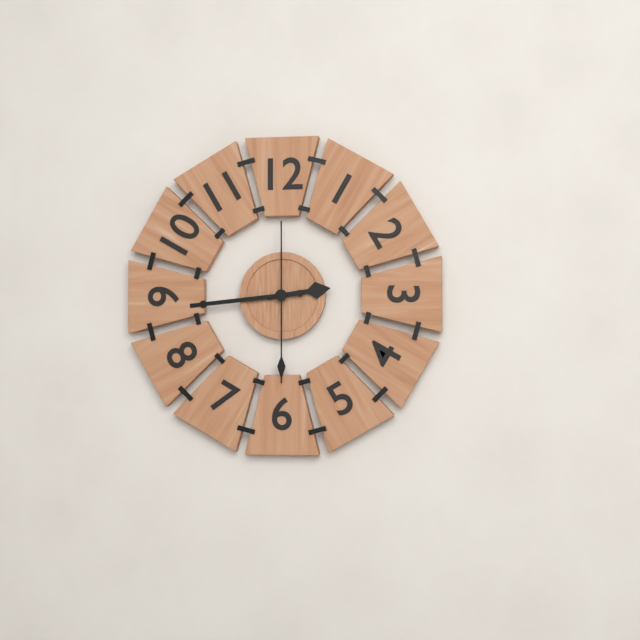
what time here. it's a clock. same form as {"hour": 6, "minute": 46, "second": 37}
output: {"hour": 2, "minute": 44, "second": 30}
